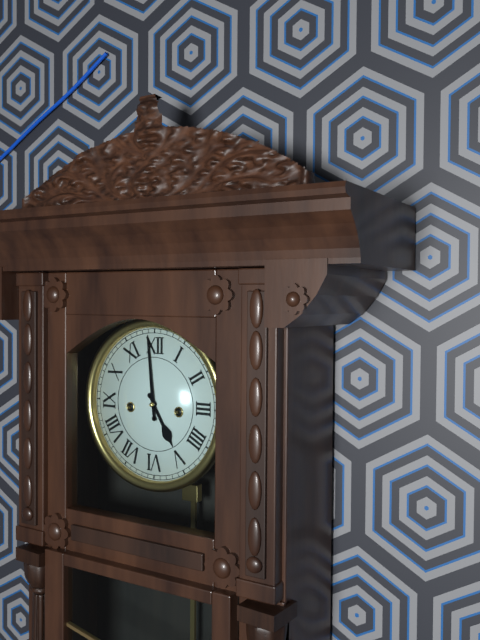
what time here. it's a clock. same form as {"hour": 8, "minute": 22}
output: {"hour": 4, "minute": 59}
